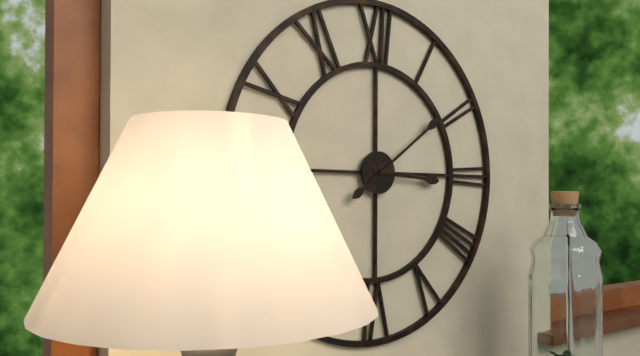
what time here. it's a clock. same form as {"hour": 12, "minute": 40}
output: {"hour": 3, "minute": 9}
